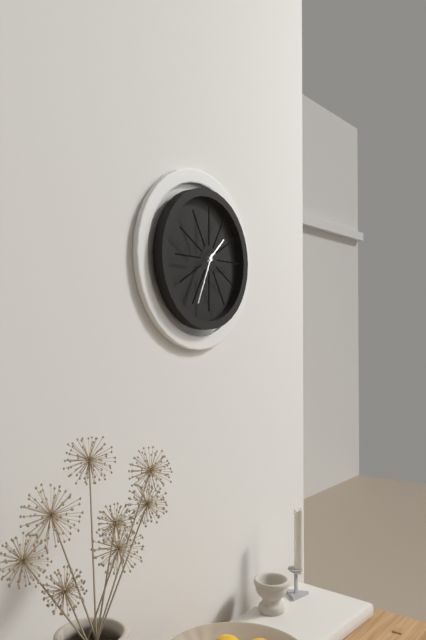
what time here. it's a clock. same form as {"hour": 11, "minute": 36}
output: {"hour": 1, "minute": 34}
